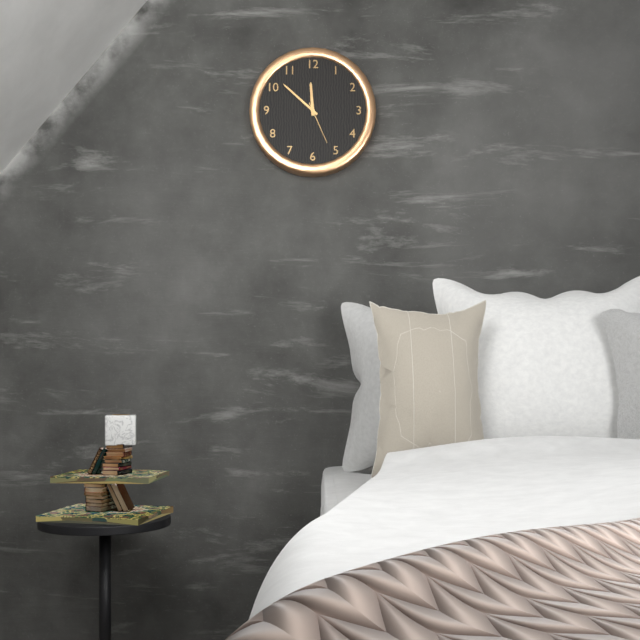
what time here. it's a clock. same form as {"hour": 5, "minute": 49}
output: {"hour": 11, "minute": 52}
